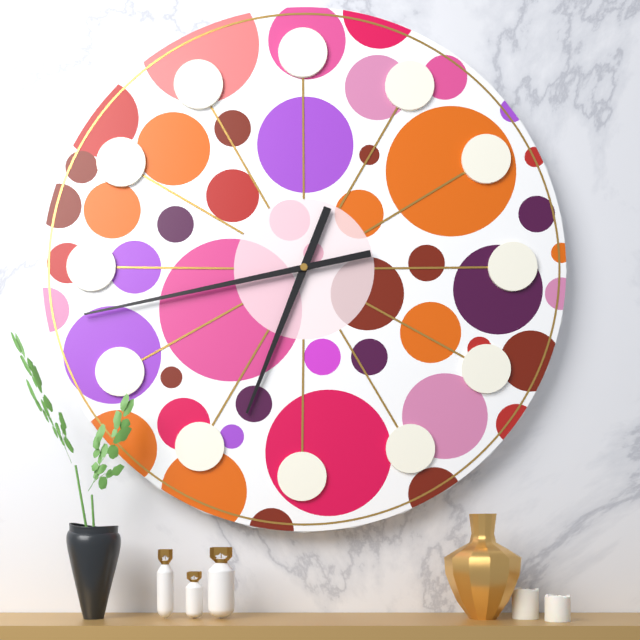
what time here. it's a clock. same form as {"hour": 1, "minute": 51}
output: {"hour": 6, "minute": 43}
